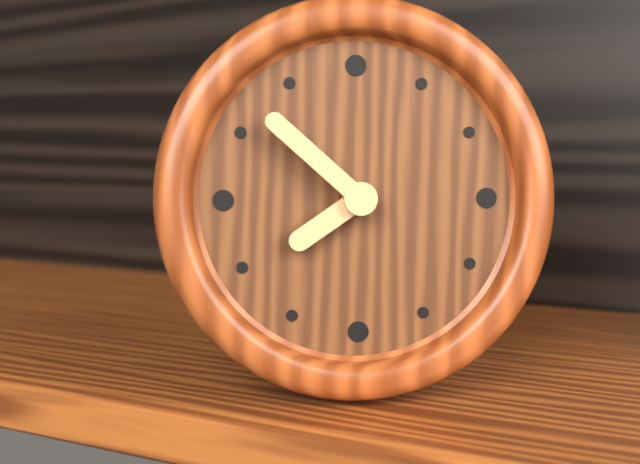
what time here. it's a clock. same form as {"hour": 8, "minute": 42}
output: {"hour": 7, "minute": 52}
